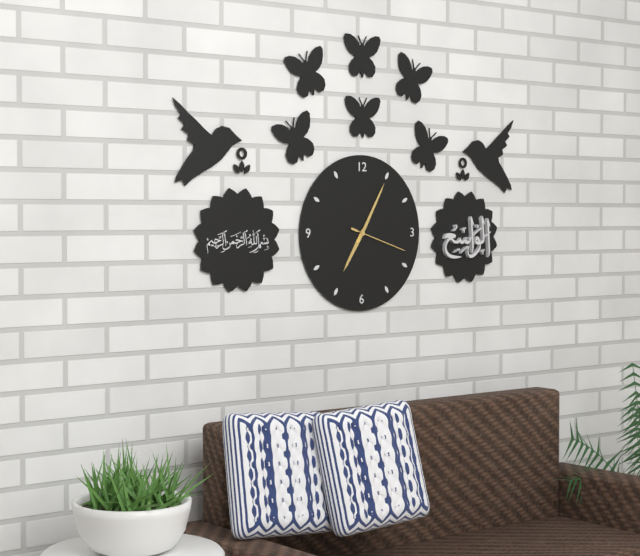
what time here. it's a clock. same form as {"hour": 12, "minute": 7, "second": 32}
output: {"hour": 7, "minute": 5, "second": 18}
